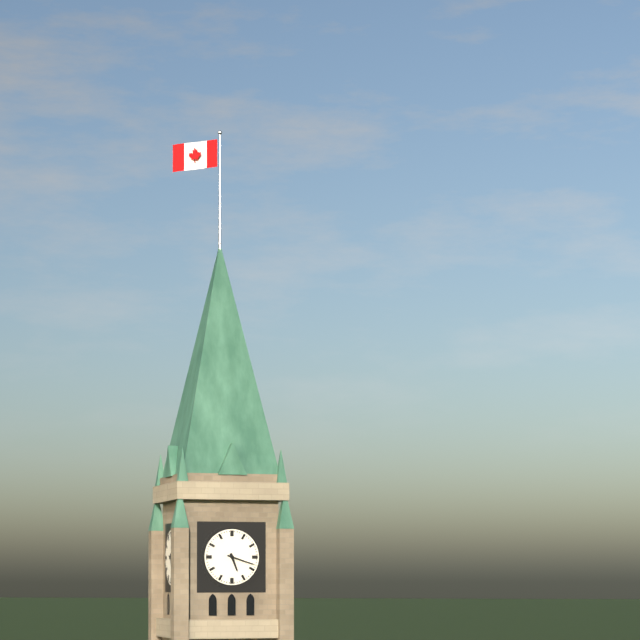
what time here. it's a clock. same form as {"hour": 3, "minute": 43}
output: {"hour": 5, "minute": 18}
